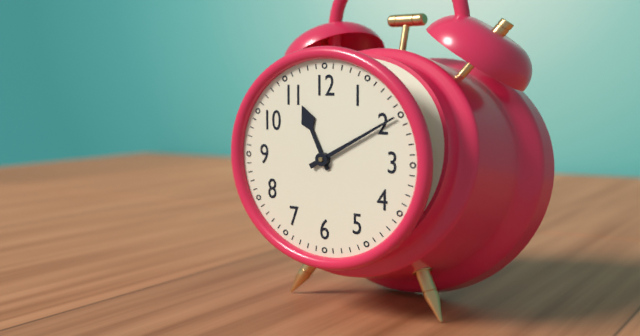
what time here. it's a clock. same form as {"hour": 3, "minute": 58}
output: {"hour": 11, "minute": 10}
